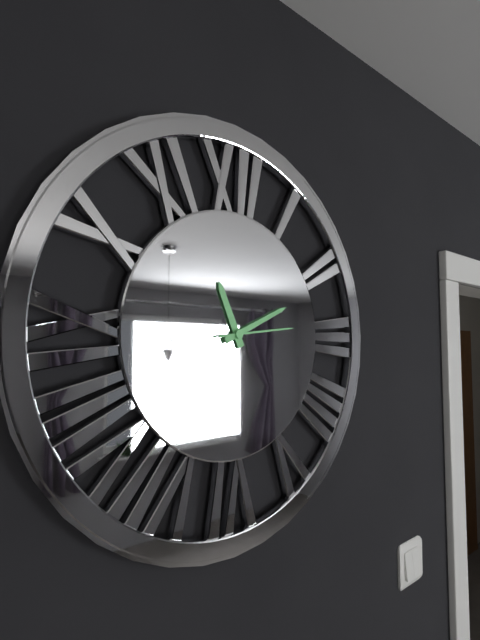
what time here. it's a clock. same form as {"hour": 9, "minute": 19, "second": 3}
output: {"hour": 11, "minute": 11, "second": 14}
